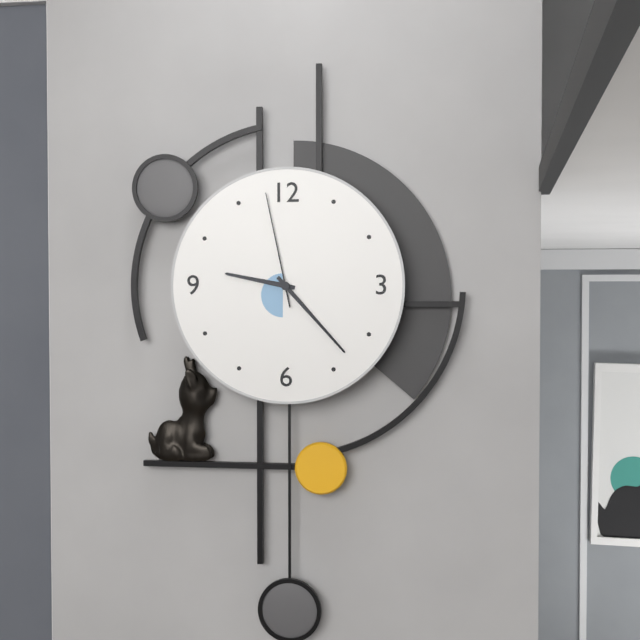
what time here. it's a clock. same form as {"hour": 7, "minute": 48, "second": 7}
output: {"hour": 9, "minute": 23, "second": 58}
